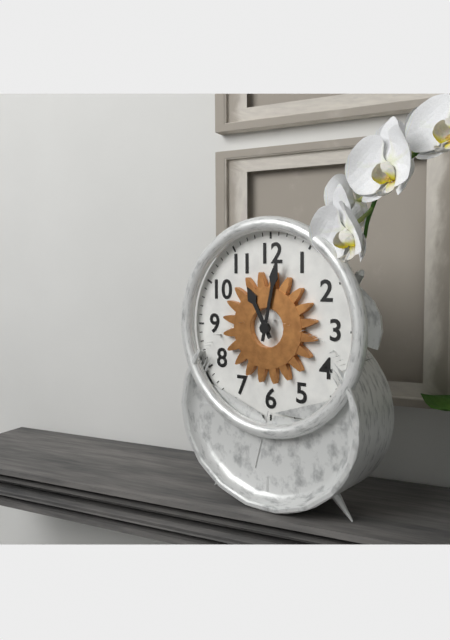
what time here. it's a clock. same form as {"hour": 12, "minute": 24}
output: {"hour": 11, "minute": 2}
